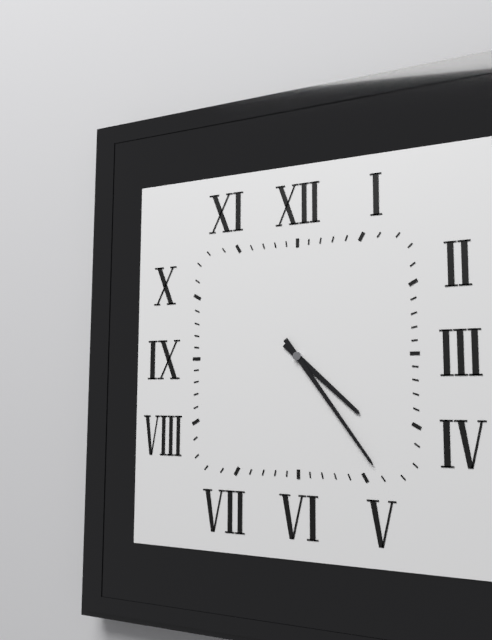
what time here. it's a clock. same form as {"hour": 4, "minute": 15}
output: {"hour": 4, "minute": 24}
